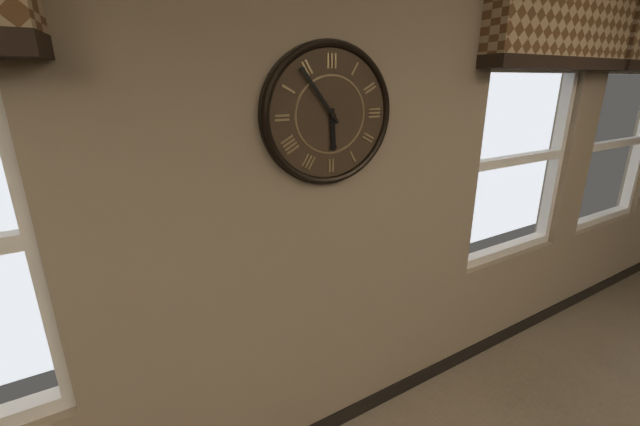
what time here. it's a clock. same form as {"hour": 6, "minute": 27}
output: {"hour": 5, "minute": 54}
